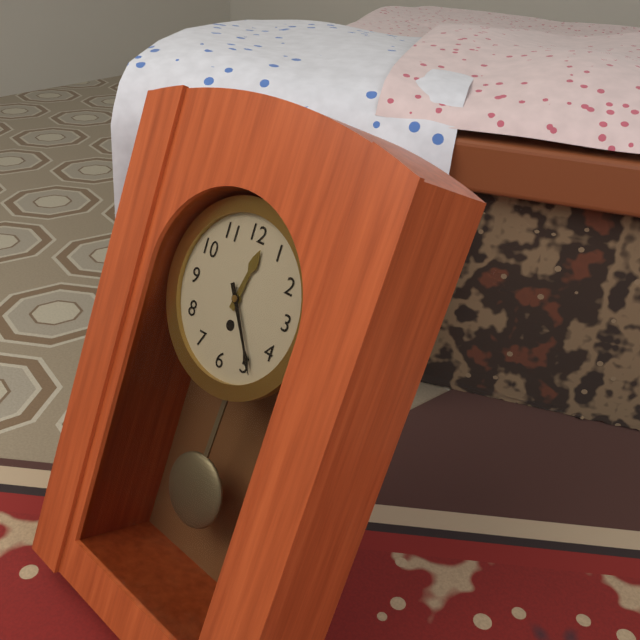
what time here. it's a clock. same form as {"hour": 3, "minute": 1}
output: {"hour": 12, "minute": 24}
